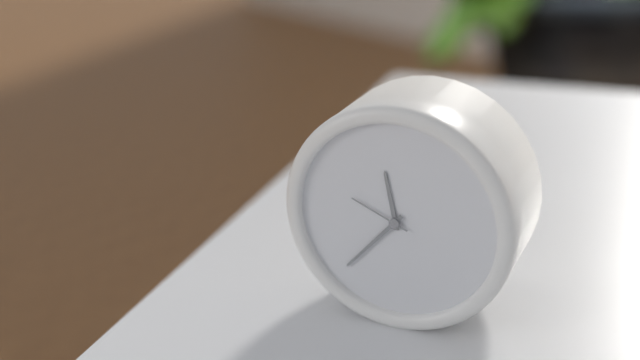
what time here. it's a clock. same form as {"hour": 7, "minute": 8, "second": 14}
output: {"hour": 11, "minute": 37, "second": 49}
